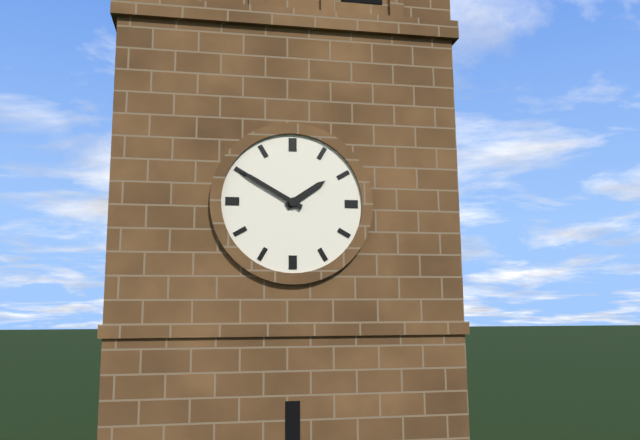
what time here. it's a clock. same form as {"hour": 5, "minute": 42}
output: {"hour": 1, "minute": 50}
